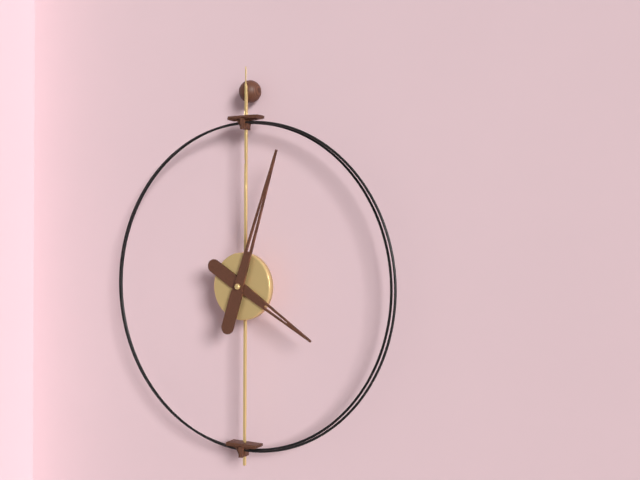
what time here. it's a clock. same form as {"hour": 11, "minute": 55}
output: {"hour": 4, "minute": 3}
